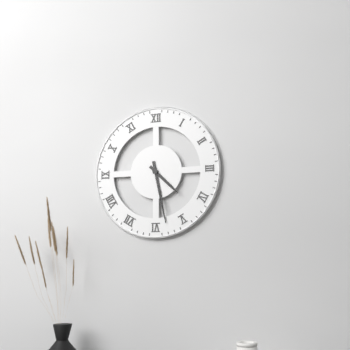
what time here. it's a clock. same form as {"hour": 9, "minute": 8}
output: {"hour": 4, "minute": 28}
